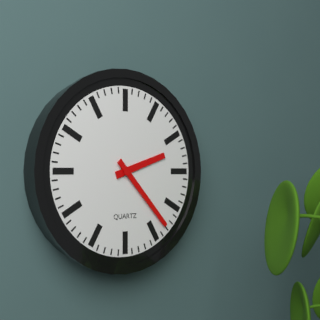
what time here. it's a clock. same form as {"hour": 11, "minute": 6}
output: {"hour": 2, "minute": 23}
